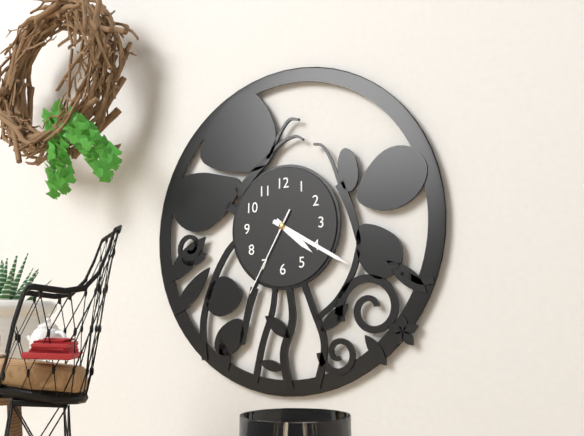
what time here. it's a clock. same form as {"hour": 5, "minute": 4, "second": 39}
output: {"hour": 4, "minute": 20, "second": 35}
